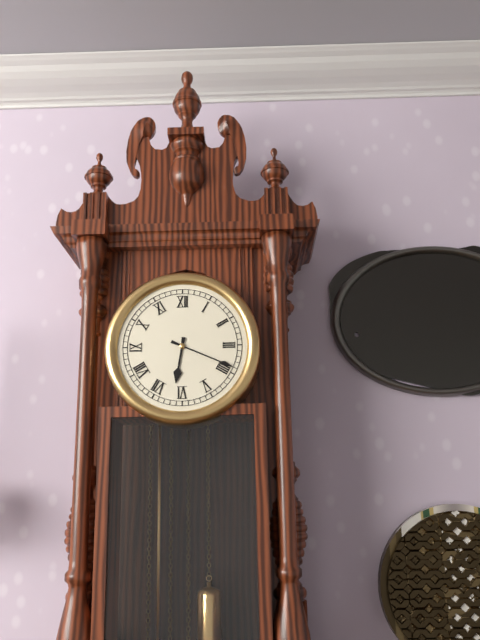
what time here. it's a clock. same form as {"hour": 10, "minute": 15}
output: {"hour": 6, "minute": 19}
